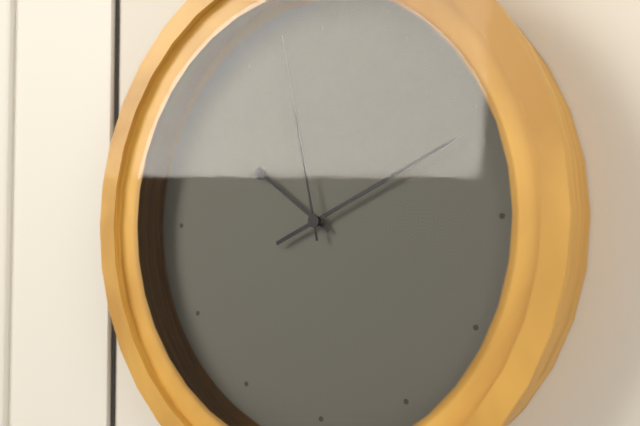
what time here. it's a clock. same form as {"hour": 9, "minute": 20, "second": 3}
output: {"hour": 10, "minute": 11, "second": 58}
